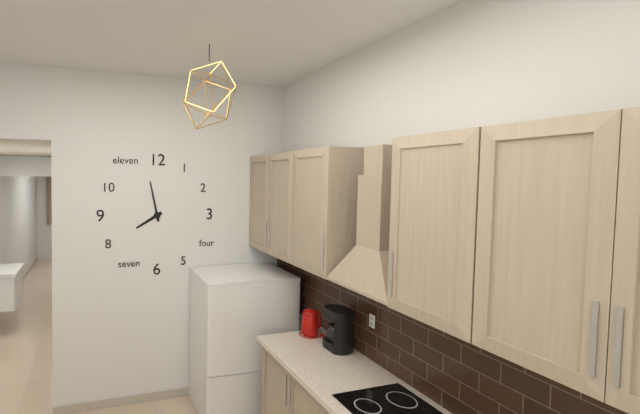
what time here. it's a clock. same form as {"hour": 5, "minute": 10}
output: {"hour": 7, "minute": 58}
